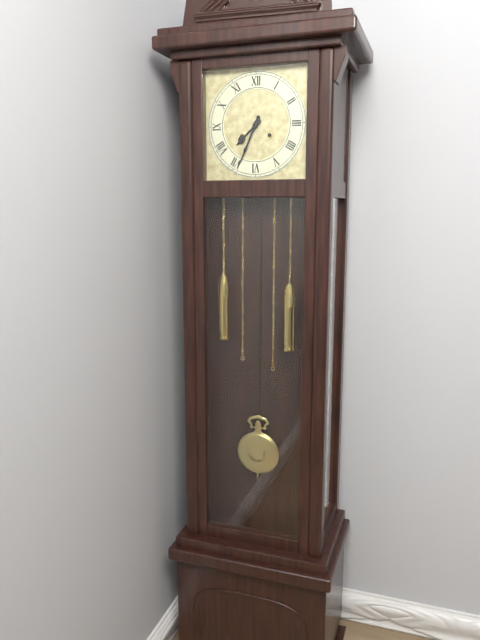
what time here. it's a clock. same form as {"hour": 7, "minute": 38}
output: {"hour": 7, "minute": 34}
